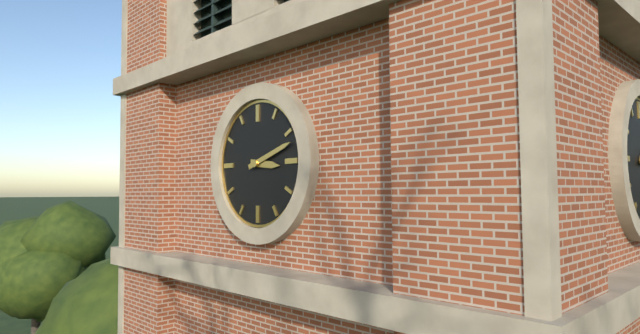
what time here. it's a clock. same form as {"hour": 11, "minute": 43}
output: {"hour": 3, "minute": 12}
